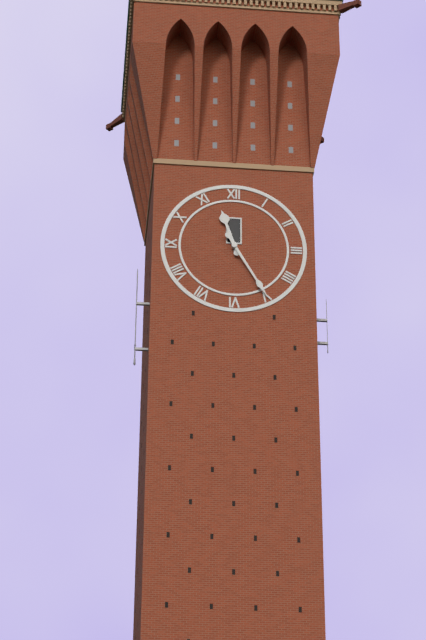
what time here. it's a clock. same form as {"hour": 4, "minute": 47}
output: {"hour": 11, "minute": 25}
